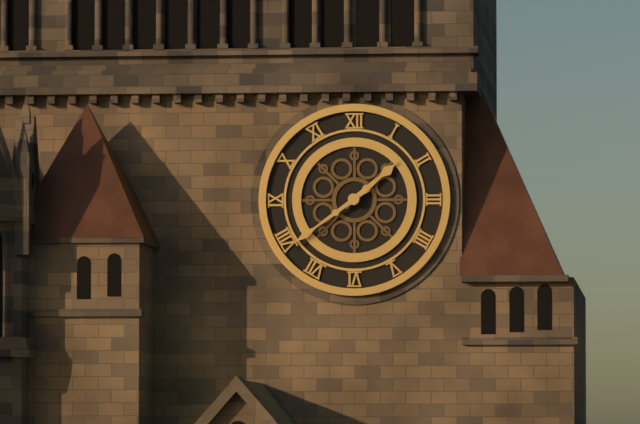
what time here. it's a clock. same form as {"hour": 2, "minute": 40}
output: {"hour": 1, "minute": 39}
